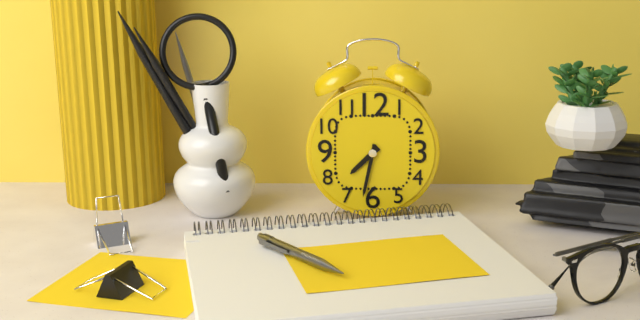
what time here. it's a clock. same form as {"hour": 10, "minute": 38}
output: {"hour": 7, "minute": 32}
